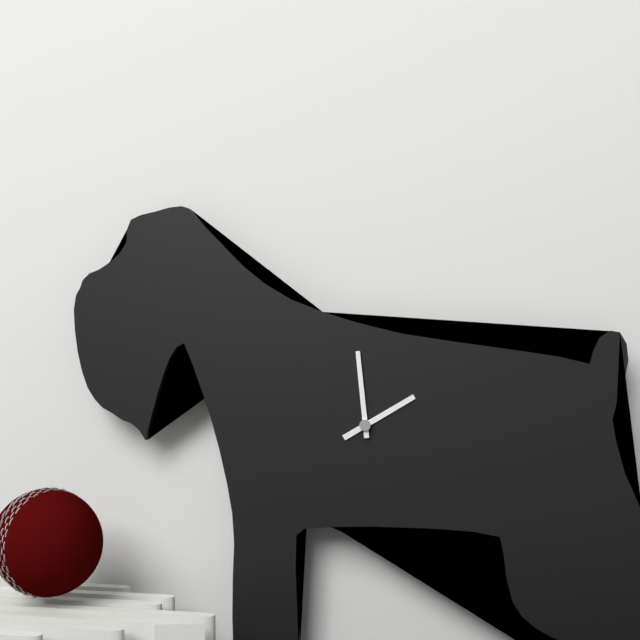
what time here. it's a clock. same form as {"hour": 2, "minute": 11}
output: {"hour": 1, "minute": 59}
